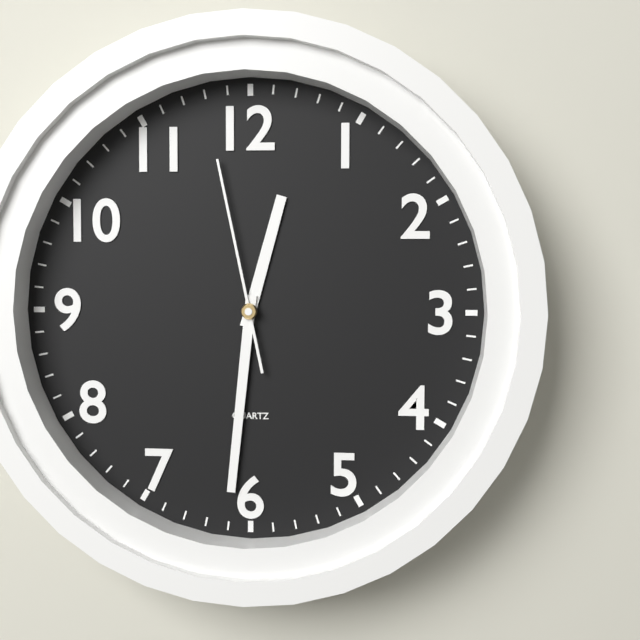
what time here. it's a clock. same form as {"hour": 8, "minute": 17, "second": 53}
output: {"hour": 12, "minute": 31, "second": 58}
